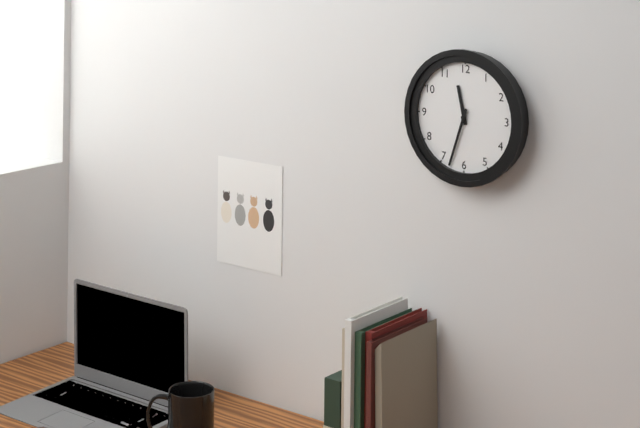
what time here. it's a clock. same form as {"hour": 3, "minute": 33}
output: {"hour": 11, "minute": 33}
